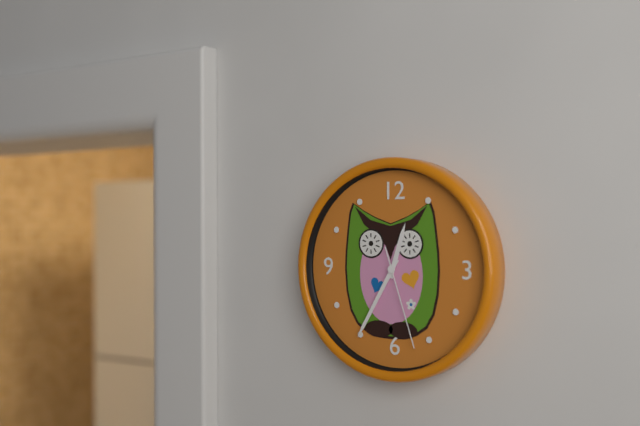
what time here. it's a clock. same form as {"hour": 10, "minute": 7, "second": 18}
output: {"hour": 12, "minute": 35, "second": 27}
